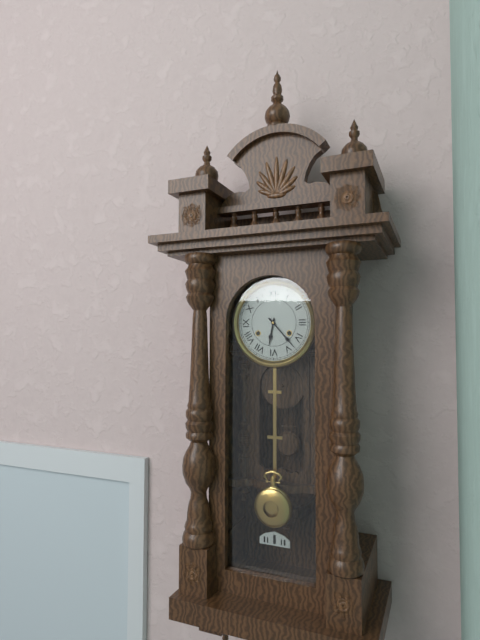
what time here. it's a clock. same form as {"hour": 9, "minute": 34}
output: {"hour": 6, "minute": 23}
